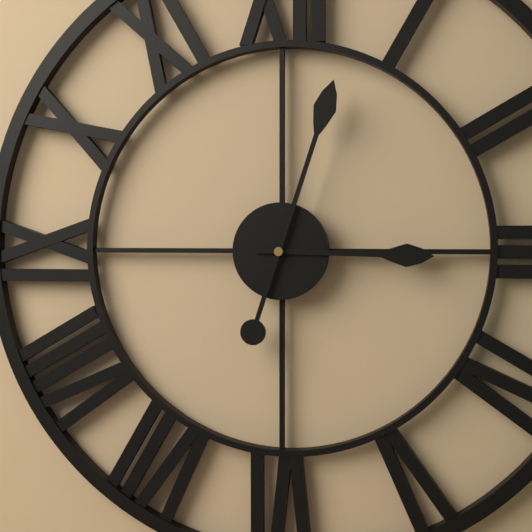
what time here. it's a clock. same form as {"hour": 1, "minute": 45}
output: {"hour": 3, "minute": 3}
